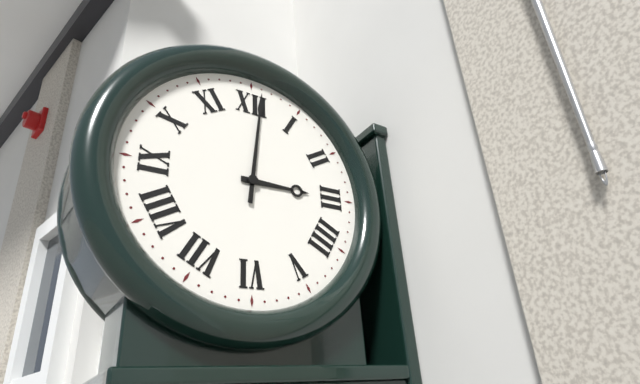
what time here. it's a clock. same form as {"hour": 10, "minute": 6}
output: {"hour": 3, "minute": 1}
